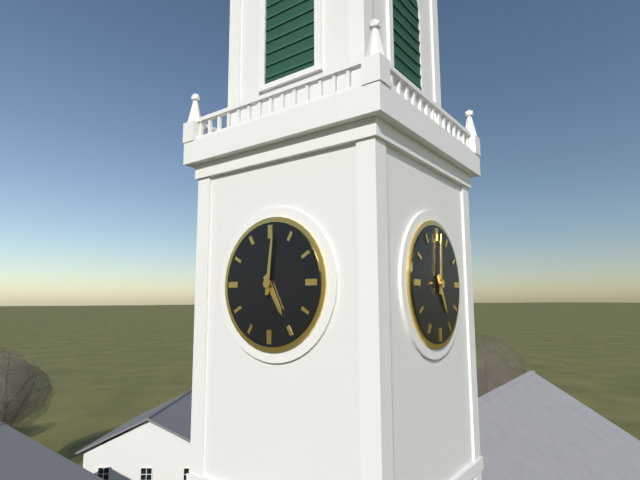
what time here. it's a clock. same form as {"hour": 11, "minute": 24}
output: {"hour": 5, "minute": 1}
